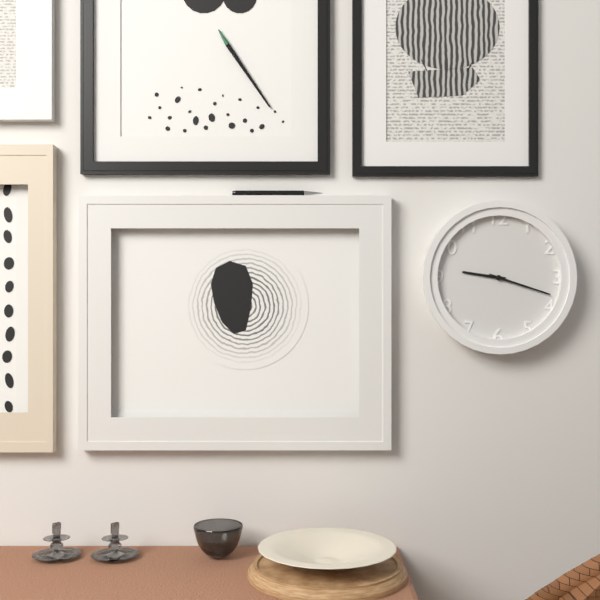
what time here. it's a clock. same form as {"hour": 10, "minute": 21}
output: {"hour": 9, "minute": 18}
